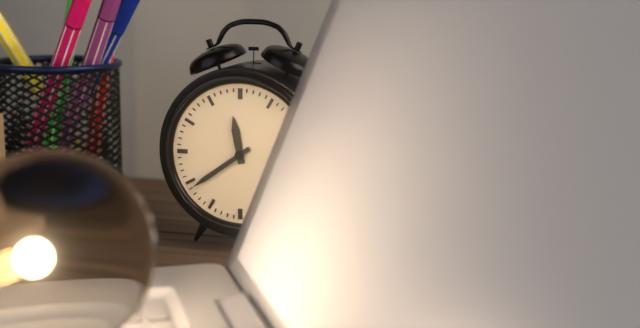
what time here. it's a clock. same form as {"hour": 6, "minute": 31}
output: {"hour": 11, "minute": 39}
